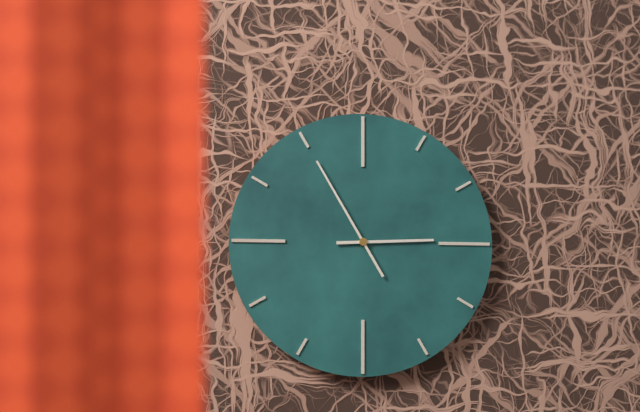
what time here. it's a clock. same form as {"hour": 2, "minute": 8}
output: {"hour": 2, "minute": 55}
